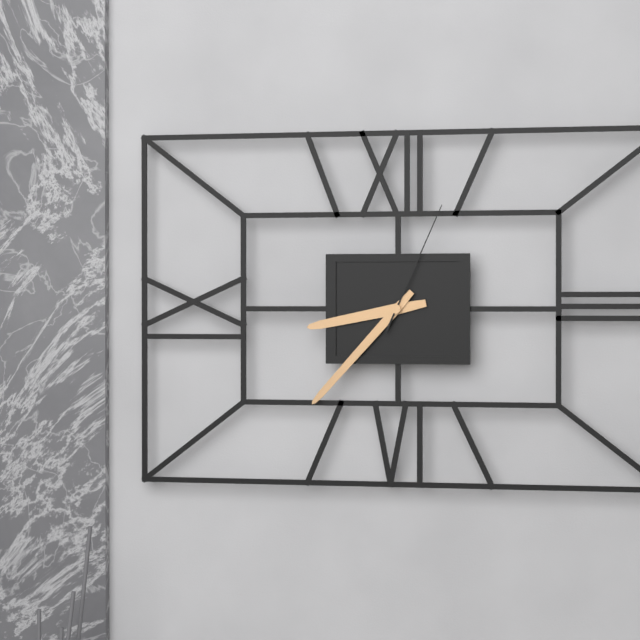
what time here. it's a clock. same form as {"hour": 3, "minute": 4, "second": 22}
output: {"hour": 8, "minute": 37, "second": 4}
